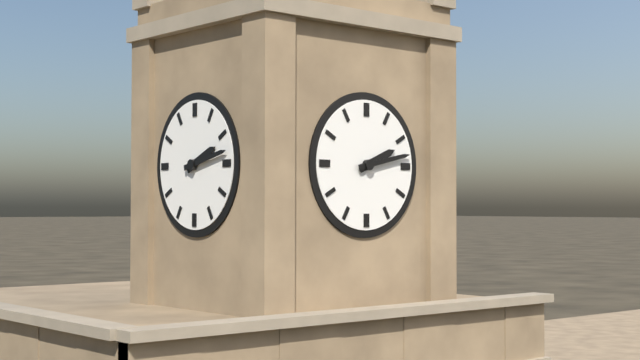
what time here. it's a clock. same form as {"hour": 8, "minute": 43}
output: {"hour": 2, "minute": 13}
